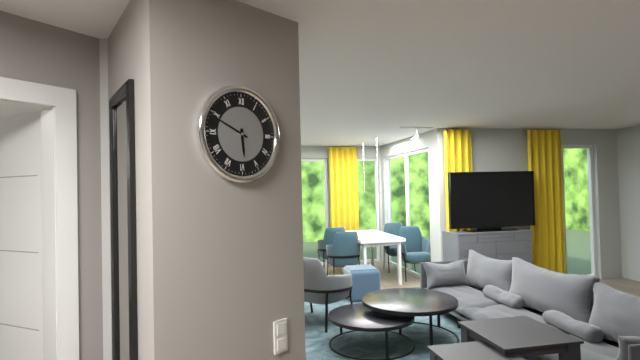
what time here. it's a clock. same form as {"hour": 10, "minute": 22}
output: {"hour": 5, "minute": 49}
